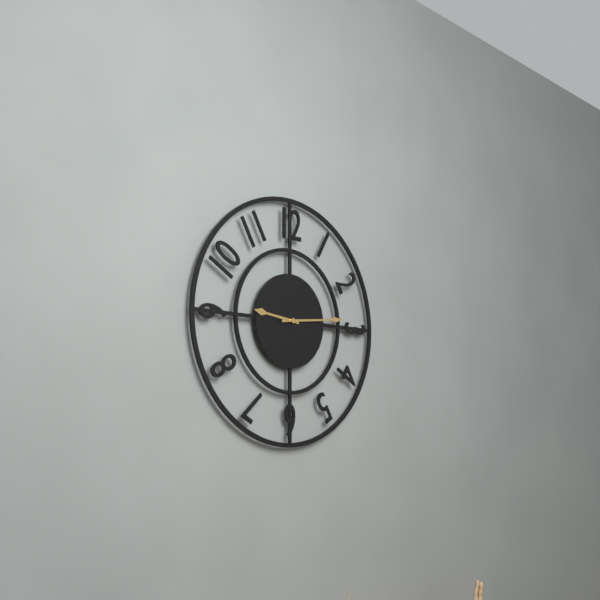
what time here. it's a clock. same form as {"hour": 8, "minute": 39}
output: {"hour": 9, "minute": 14}
